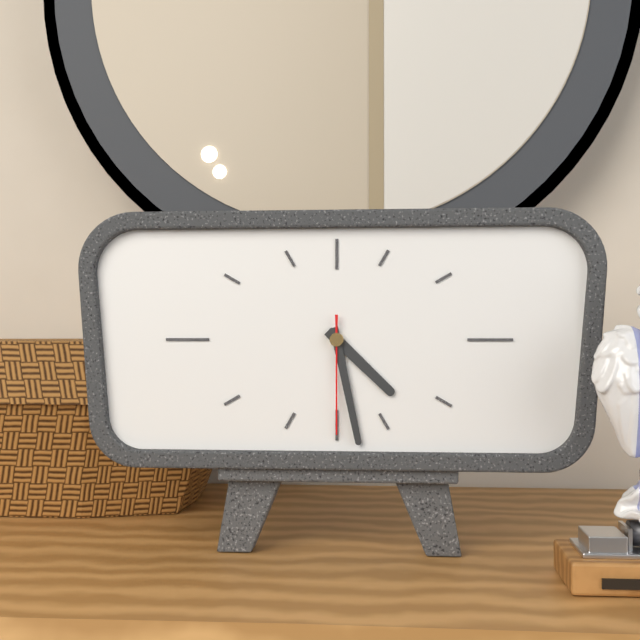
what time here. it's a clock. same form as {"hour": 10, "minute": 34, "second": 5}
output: {"hour": 4, "minute": 28, "second": 30}
